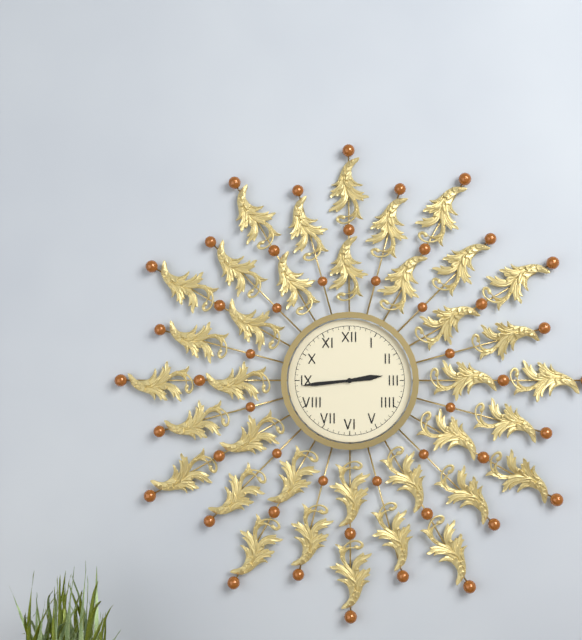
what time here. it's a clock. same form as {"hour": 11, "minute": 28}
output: {"hour": 2, "minute": 44}
